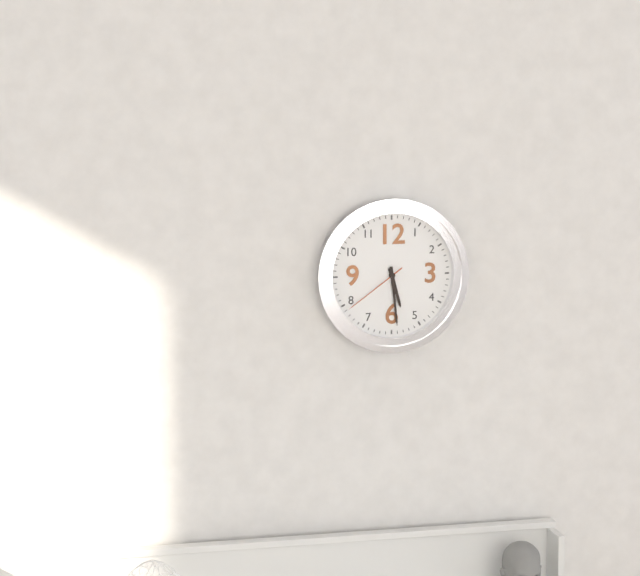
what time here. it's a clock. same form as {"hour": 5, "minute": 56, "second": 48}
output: {"hour": 5, "minute": 29, "second": 39}
